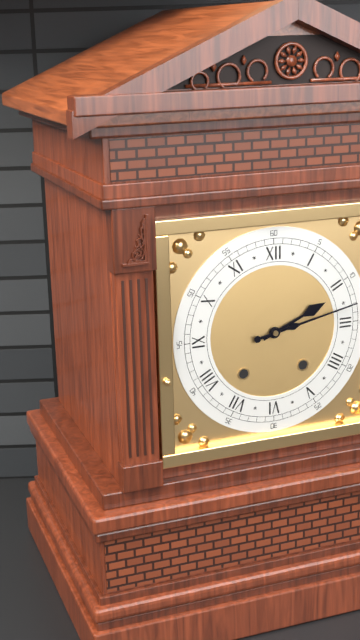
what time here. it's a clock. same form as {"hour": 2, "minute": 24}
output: {"hour": 2, "minute": 13}
